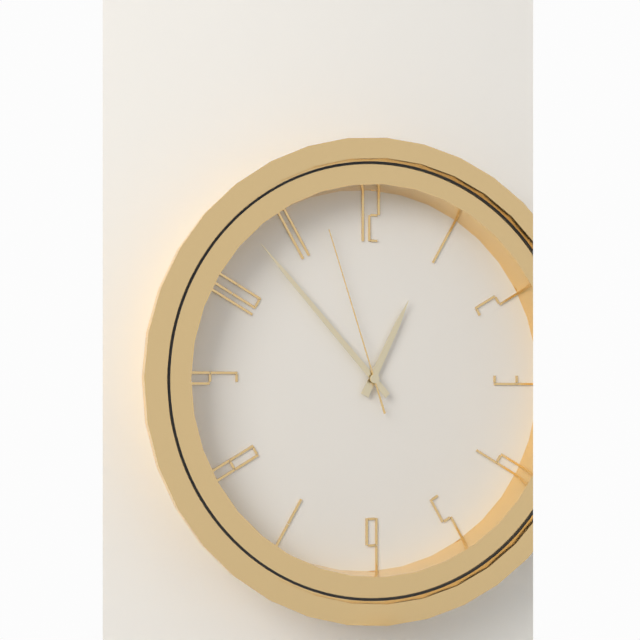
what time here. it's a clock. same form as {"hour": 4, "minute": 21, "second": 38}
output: {"hour": 12, "minute": 53, "second": 57}
